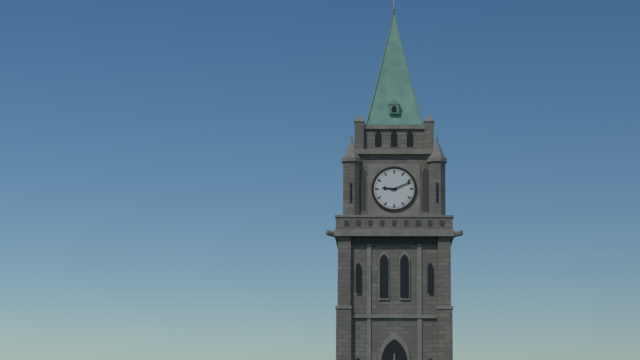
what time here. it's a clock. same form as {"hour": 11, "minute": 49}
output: {"hour": 9, "minute": 11}
